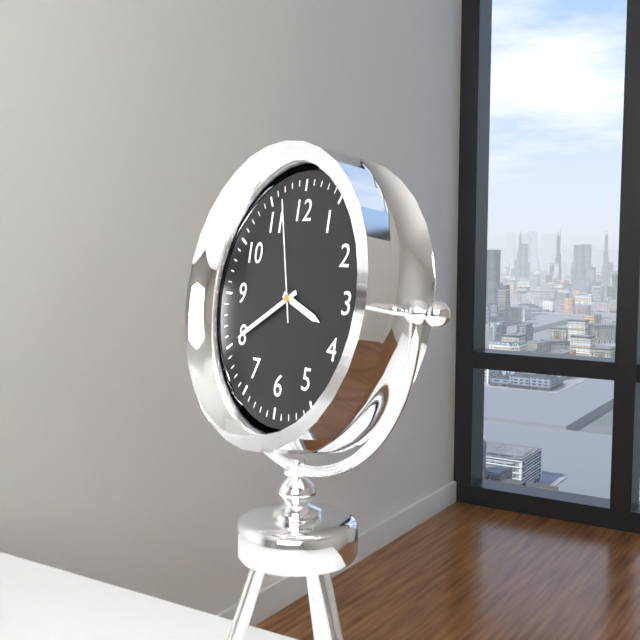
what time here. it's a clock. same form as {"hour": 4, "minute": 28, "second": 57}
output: {"hour": 3, "minute": 40, "second": 57}
